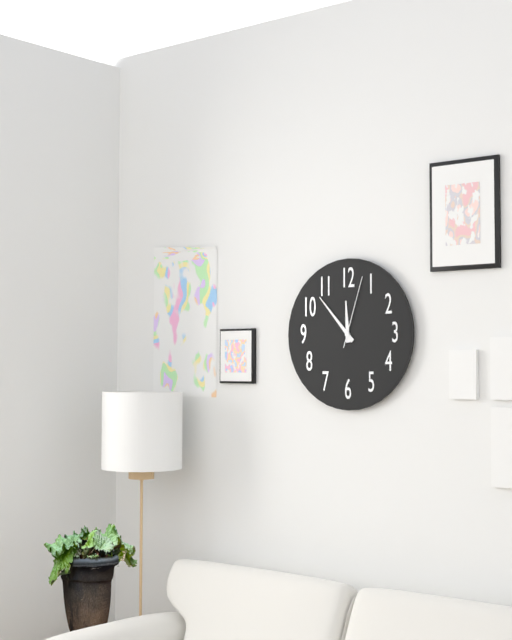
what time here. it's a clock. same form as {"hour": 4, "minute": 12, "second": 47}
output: {"hour": 11, "minute": 53, "second": 3}
